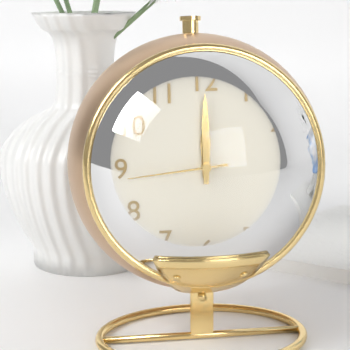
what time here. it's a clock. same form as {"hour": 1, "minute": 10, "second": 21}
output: {"hour": 12, "minute": 0, "second": 44}
